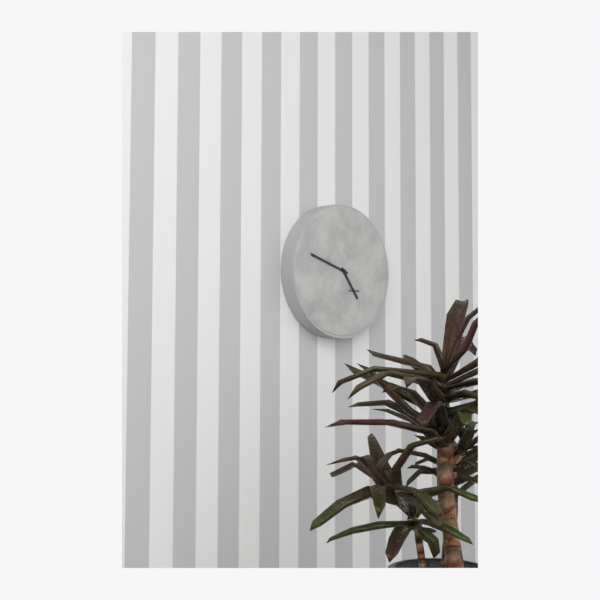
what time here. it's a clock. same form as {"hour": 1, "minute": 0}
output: {"hour": 4, "minute": 48}
